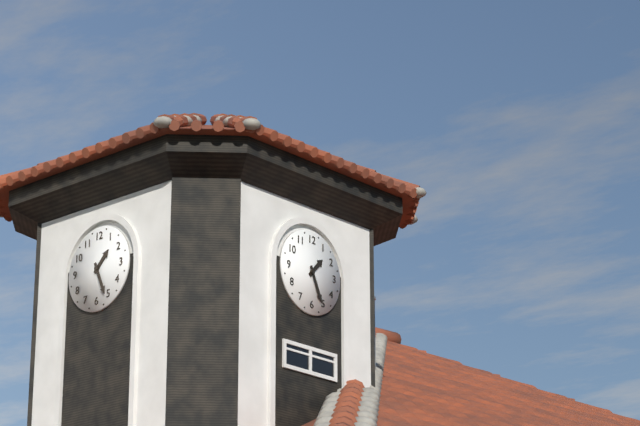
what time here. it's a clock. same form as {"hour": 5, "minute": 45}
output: {"hour": 1, "minute": 26}
